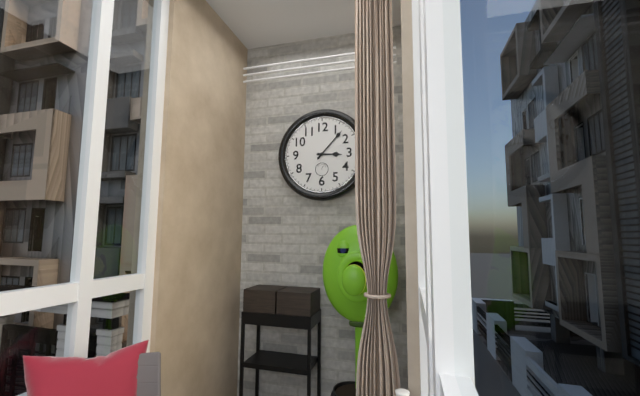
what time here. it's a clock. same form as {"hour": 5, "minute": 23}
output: {"hour": 3, "minute": 7}
